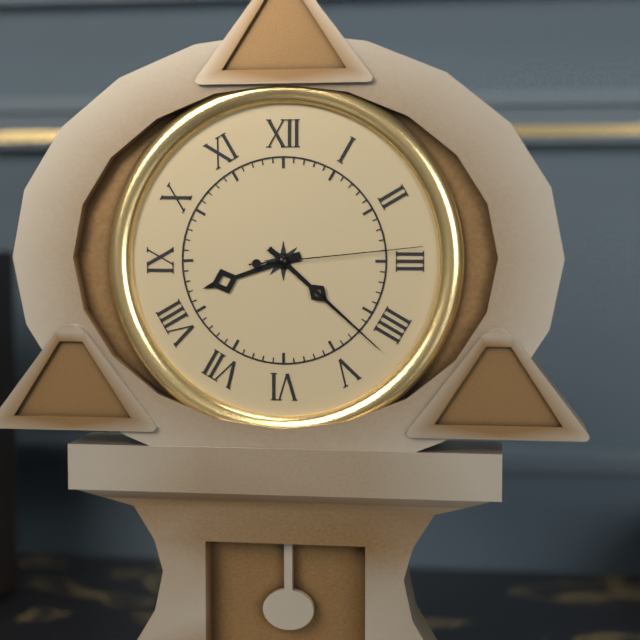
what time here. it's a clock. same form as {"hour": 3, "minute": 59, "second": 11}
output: {"hour": 8, "minute": 22, "second": 14}
